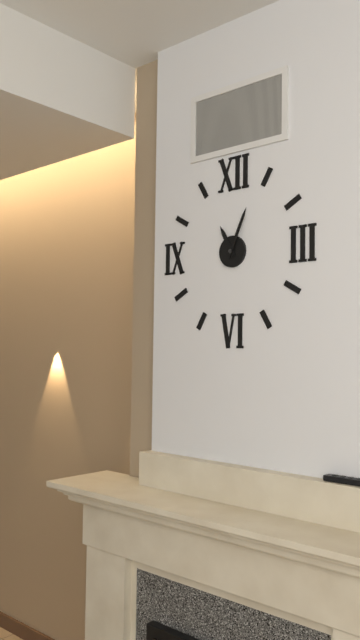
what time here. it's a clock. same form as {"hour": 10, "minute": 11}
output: {"hour": 11, "minute": 4}
